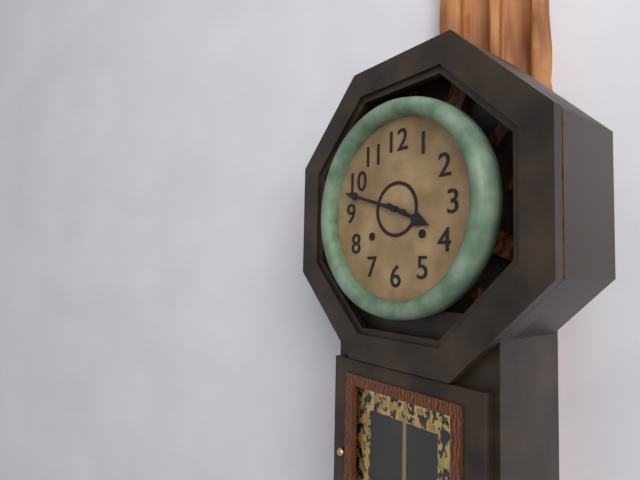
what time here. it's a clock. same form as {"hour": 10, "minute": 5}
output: {"hour": 3, "minute": 48}
